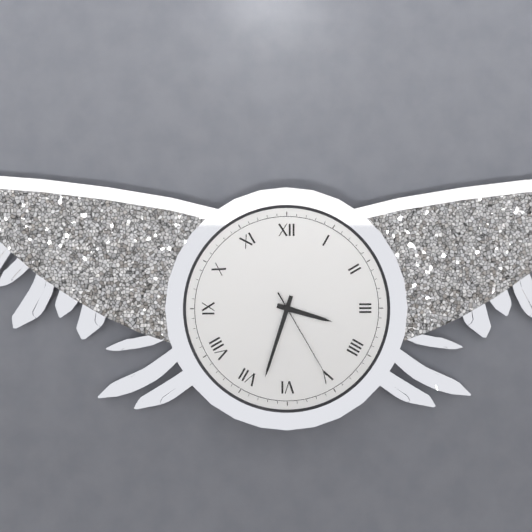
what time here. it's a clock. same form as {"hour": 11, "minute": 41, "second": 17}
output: {"hour": 3, "minute": 33, "second": 25}
